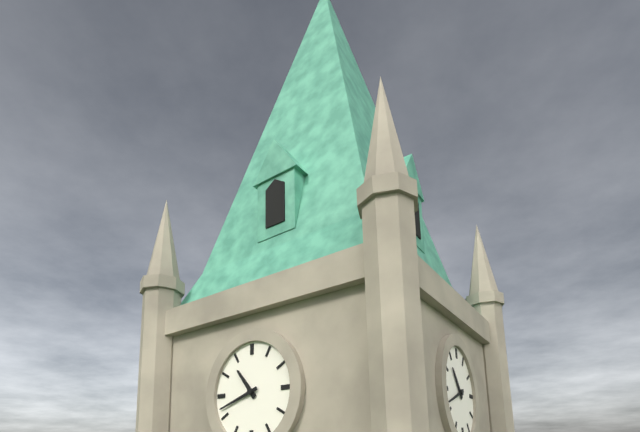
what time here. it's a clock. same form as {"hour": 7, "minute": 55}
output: {"hour": 10, "minute": 42}
